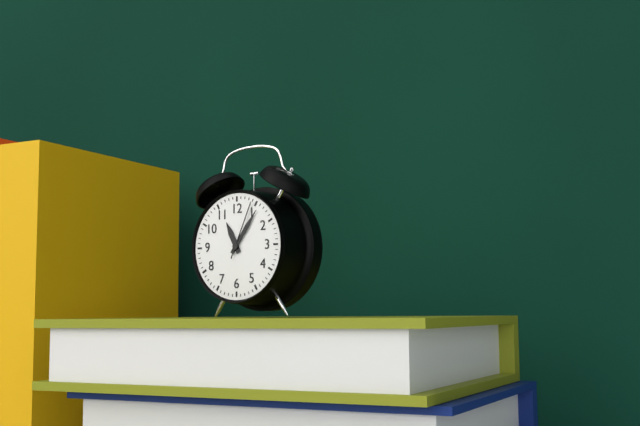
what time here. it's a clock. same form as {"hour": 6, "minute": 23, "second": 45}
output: {"hour": 11, "minute": 6, "second": 4}
